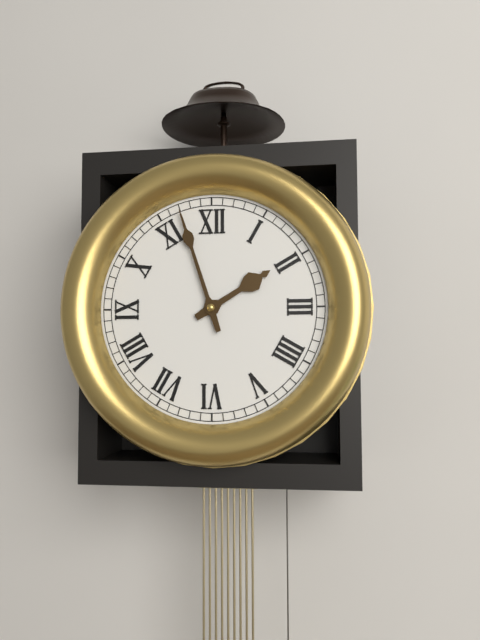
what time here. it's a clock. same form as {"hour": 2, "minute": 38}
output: {"hour": 1, "minute": 57}
